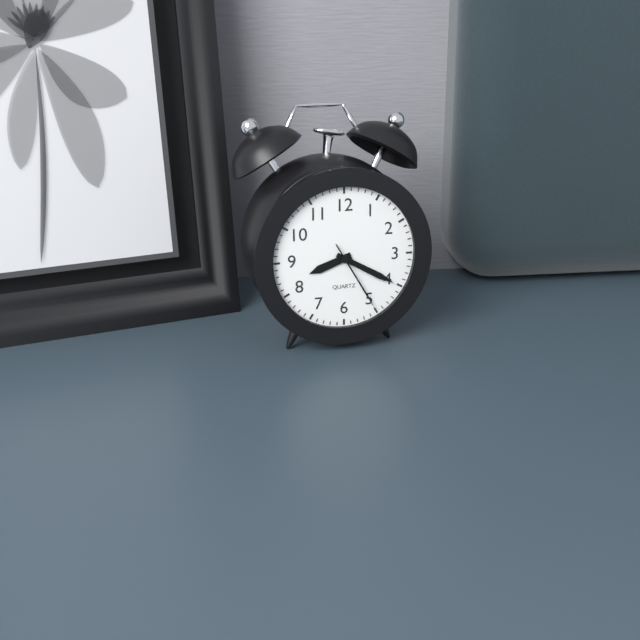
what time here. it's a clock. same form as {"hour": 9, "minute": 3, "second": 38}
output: {"hour": 8, "minute": 20, "second": 25}
